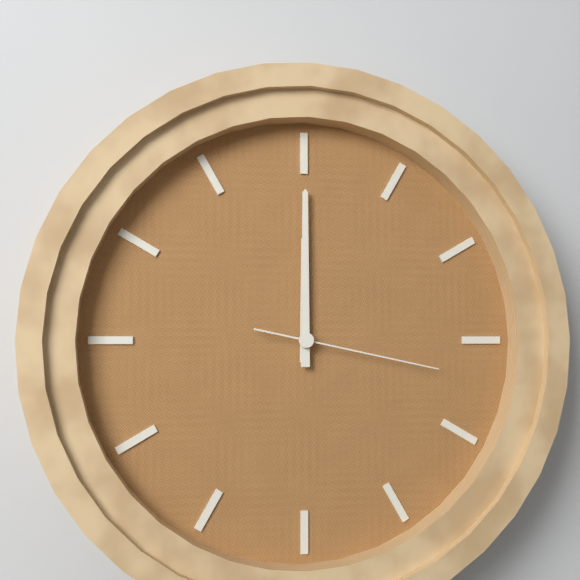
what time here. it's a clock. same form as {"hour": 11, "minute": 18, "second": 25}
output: {"hour": 12, "minute": 0, "second": 17}
